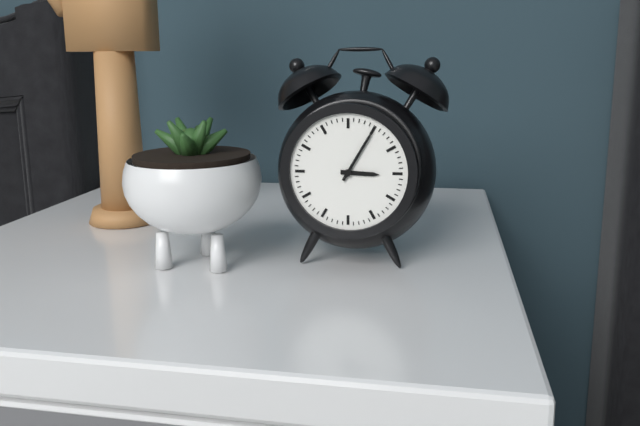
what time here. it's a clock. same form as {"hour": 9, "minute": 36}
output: {"hour": 3, "minute": 5}
